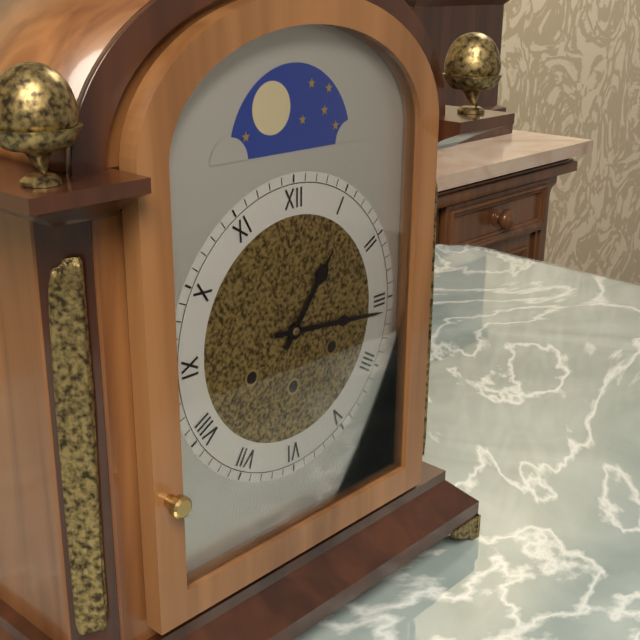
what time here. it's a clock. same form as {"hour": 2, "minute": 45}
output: {"hour": 1, "minute": 16}
